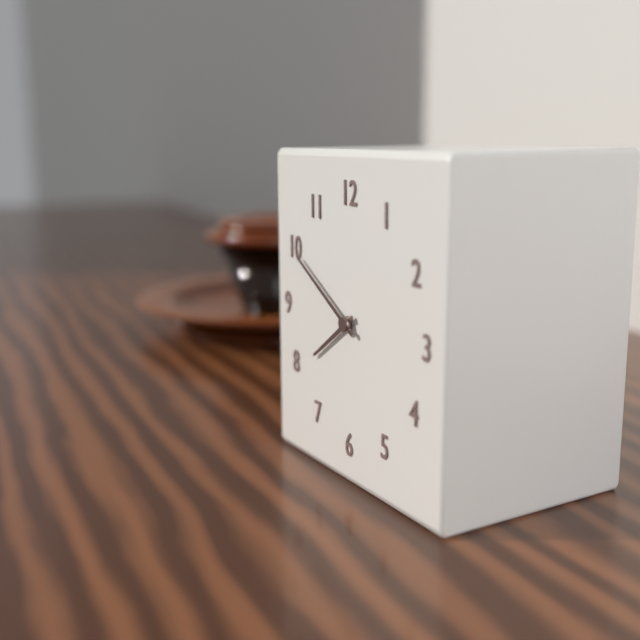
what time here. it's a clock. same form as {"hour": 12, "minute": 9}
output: {"hour": 7, "minute": 50}
